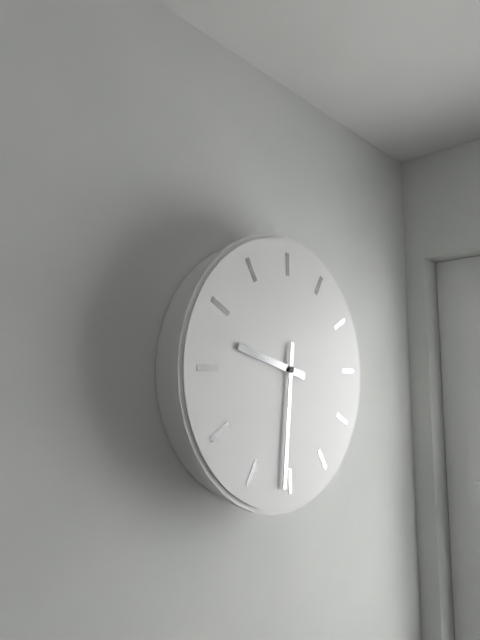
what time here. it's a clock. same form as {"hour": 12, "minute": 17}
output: {"hour": 9, "minute": 31}
